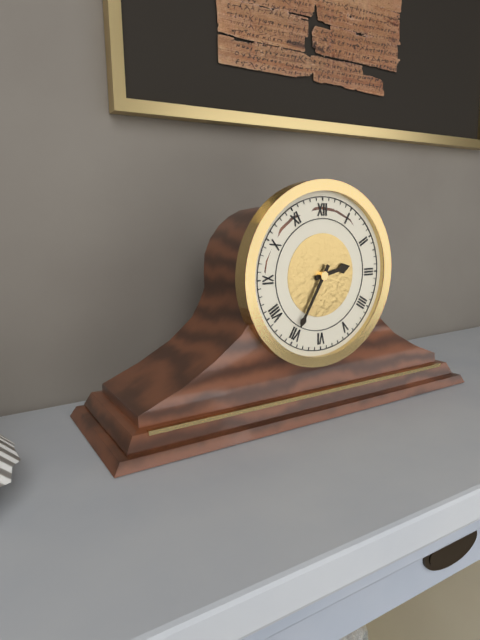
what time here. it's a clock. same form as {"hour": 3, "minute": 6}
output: {"hour": 2, "minute": 35}
